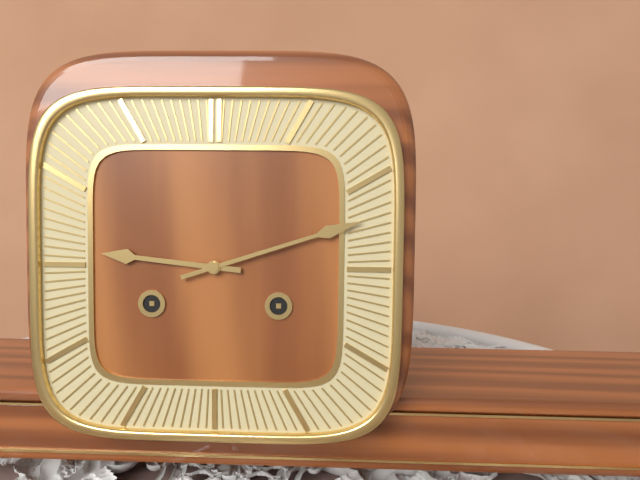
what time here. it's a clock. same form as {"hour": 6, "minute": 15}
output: {"hour": 9, "minute": 12}
